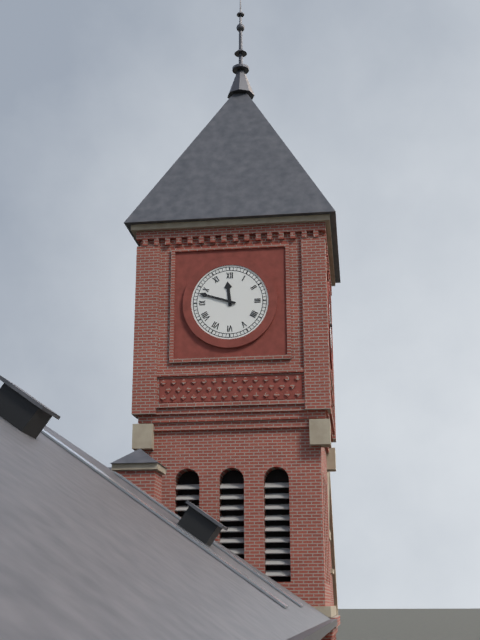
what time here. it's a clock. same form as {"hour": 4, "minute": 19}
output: {"hour": 11, "minute": 48}
